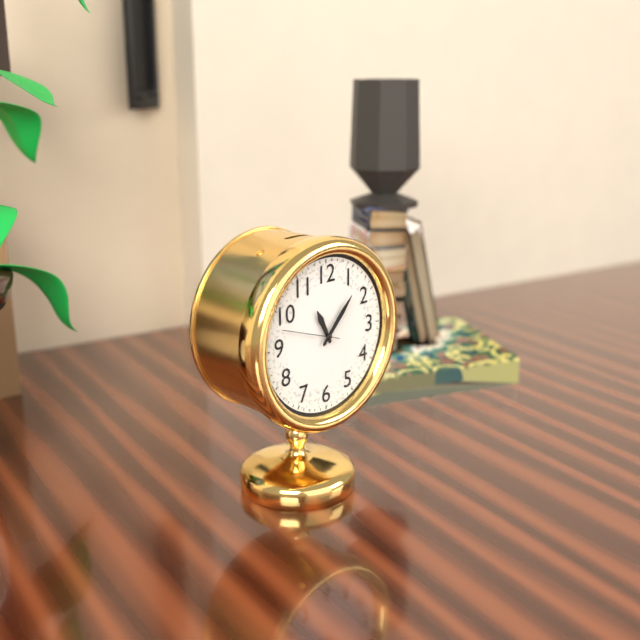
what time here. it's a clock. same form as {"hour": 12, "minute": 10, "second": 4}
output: {"hour": 11, "minute": 7, "second": 48}
